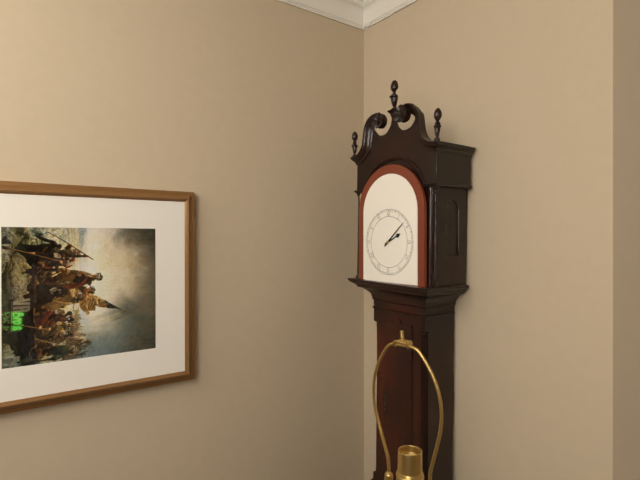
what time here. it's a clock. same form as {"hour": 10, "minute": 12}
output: {"hour": 2, "minute": 8}
